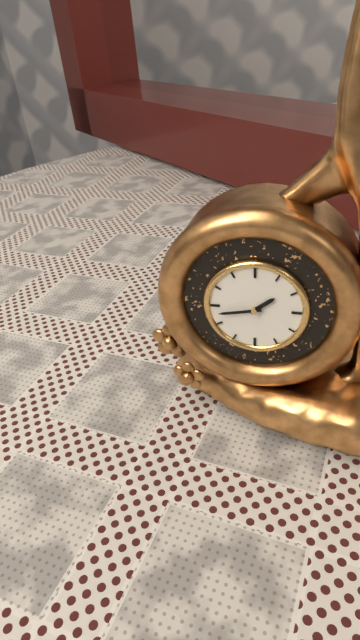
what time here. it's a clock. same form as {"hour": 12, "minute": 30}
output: {"hour": 1, "minute": 43}
